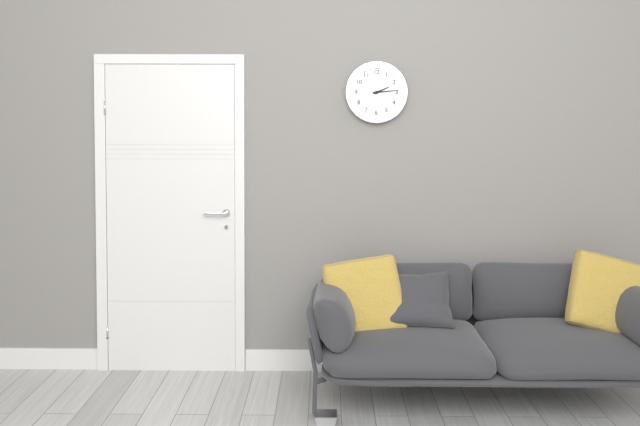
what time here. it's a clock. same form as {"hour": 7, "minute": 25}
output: {"hour": 2, "minute": 14}
